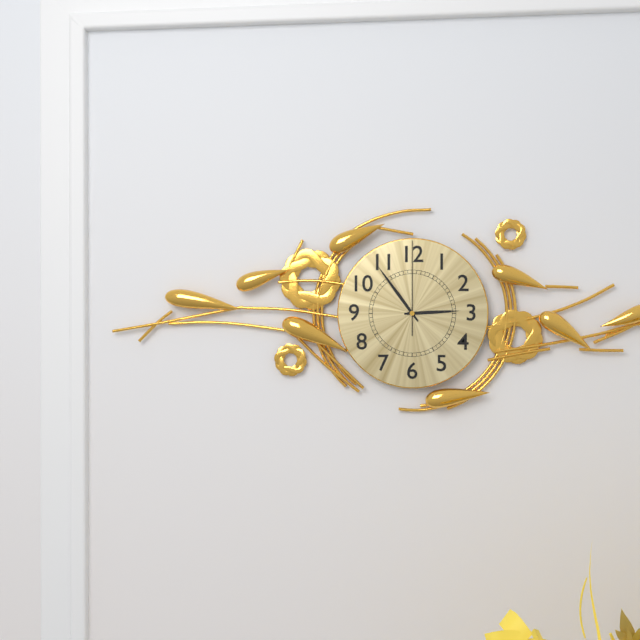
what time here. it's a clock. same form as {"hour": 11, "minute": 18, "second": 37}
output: {"hour": 2, "minute": 54, "second": 0}
